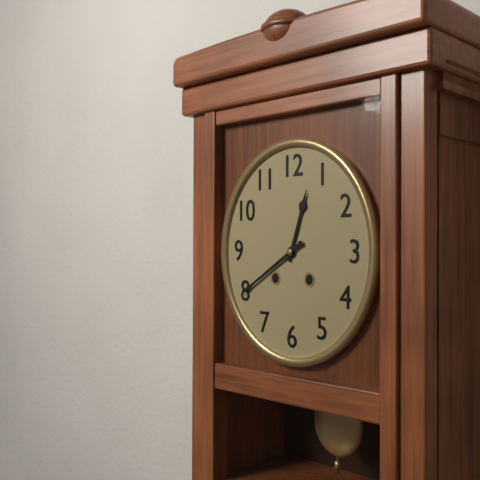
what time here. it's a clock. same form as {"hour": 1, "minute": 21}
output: {"hour": 12, "minute": 40}
